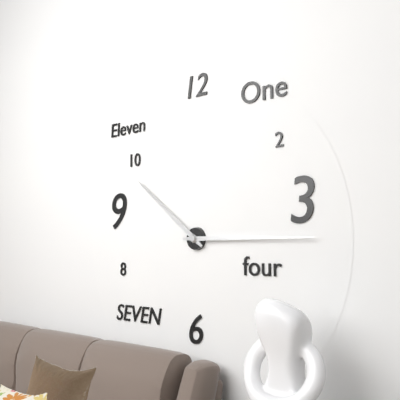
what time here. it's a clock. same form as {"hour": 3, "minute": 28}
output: {"hour": 10, "minute": 15}
